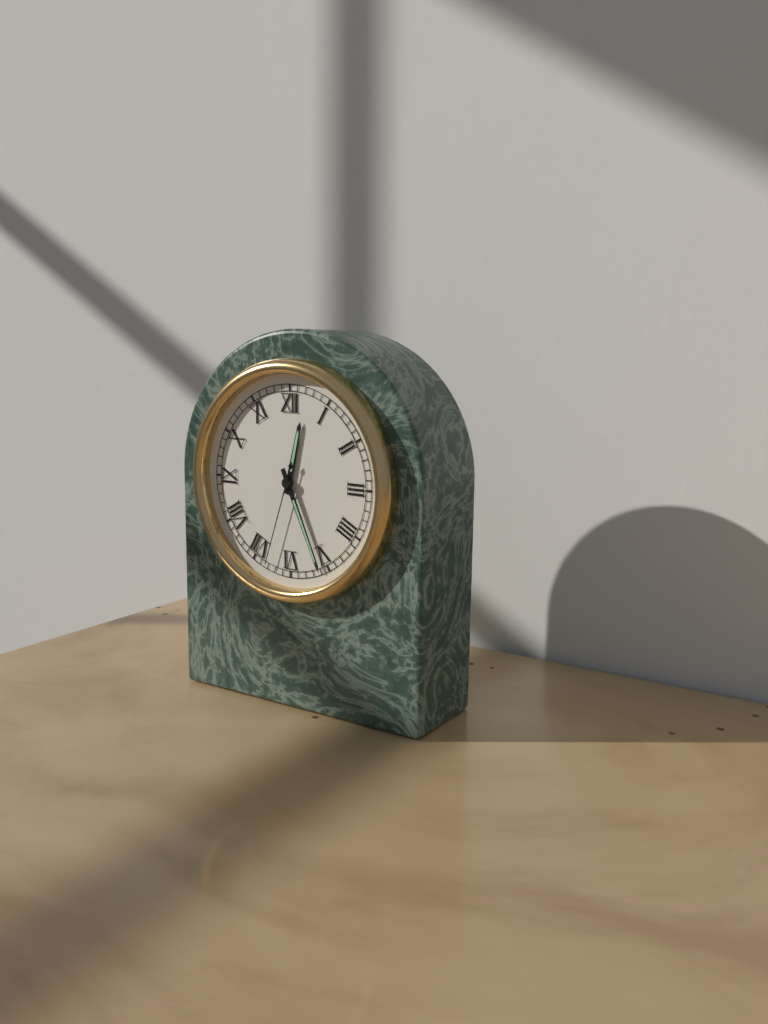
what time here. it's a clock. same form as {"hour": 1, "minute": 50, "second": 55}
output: {"hour": 12, "minute": 26, "second": 33}
